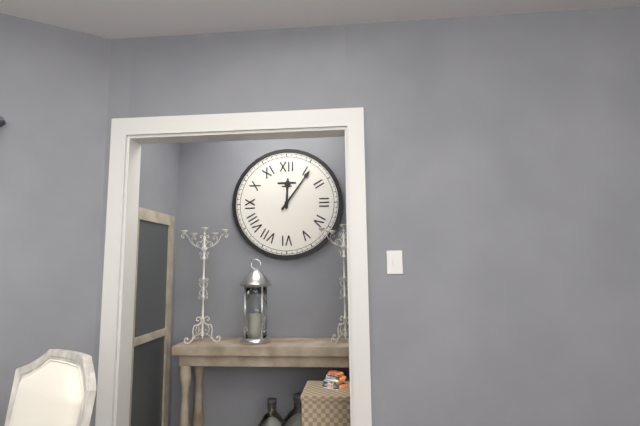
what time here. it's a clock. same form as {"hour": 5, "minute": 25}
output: {"hour": 12, "minute": 6}
